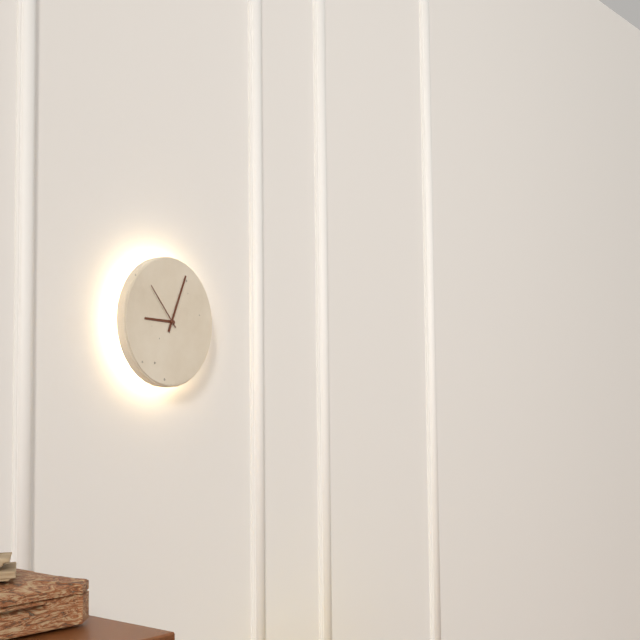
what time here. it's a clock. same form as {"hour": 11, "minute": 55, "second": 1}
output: {"hour": 9, "minute": 4, "second": 53}
